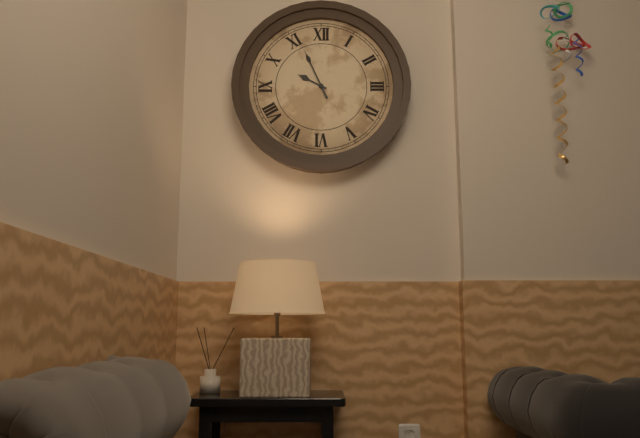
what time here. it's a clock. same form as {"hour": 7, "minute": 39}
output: {"hour": 9, "minute": 56}
